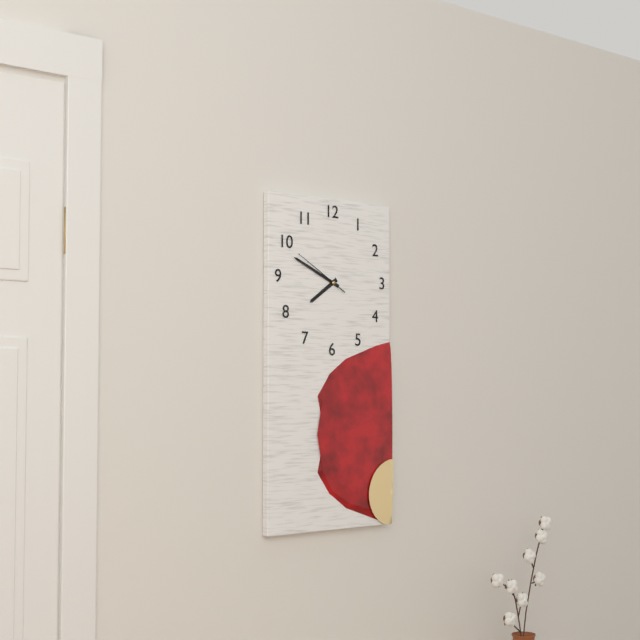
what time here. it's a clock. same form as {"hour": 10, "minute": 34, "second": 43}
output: {"hour": 7, "minute": 49, "second": 50}
